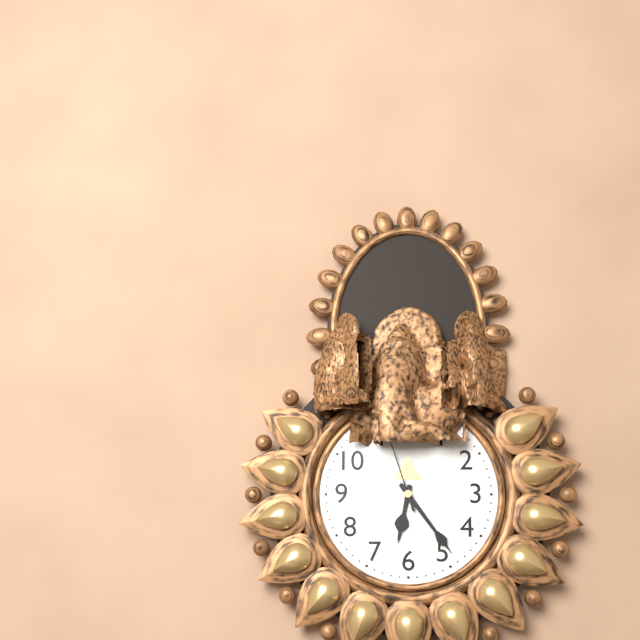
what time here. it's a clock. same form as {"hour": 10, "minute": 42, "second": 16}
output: {"hour": 6, "minute": 24, "second": 57}
